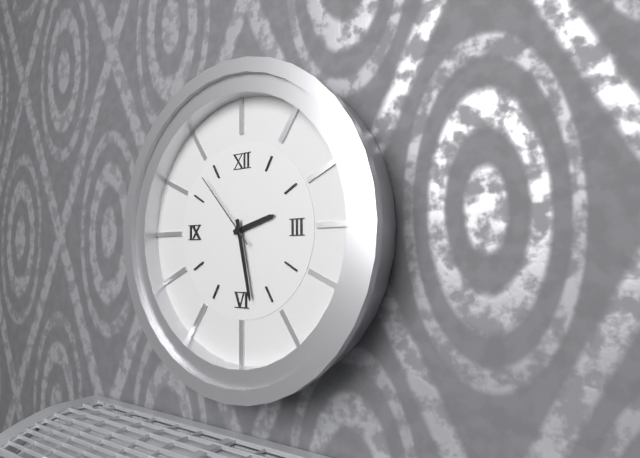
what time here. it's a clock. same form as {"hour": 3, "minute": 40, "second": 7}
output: {"hour": 2, "minute": 28, "second": 53}
